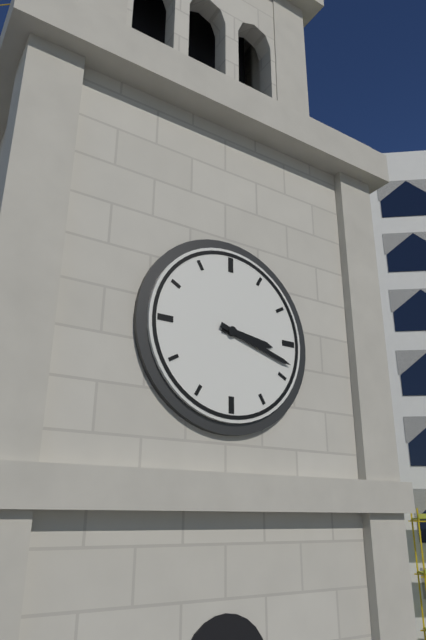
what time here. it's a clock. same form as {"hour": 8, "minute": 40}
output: {"hour": 3, "minute": 18}
